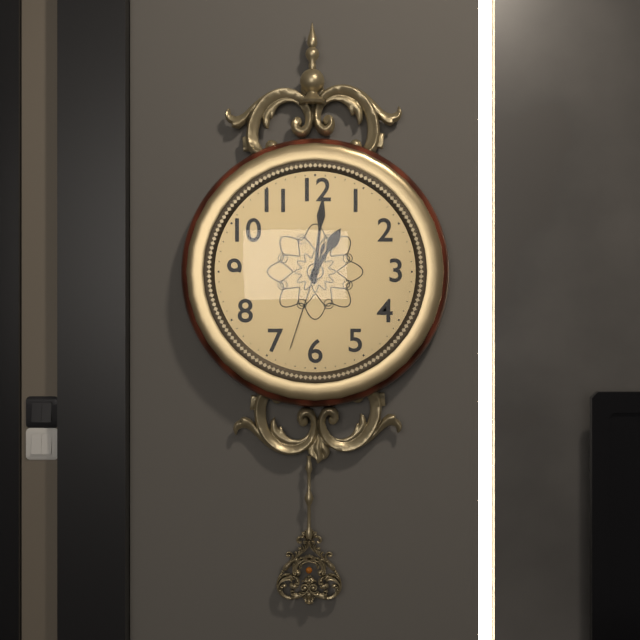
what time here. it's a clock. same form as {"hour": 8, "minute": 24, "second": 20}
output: {"hour": 1, "minute": 1, "second": 33}
